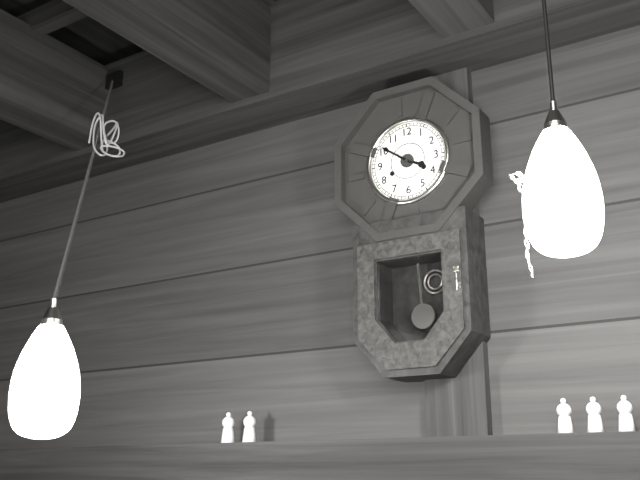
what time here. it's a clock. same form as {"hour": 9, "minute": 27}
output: {"hour": 3, "minute": 51}
